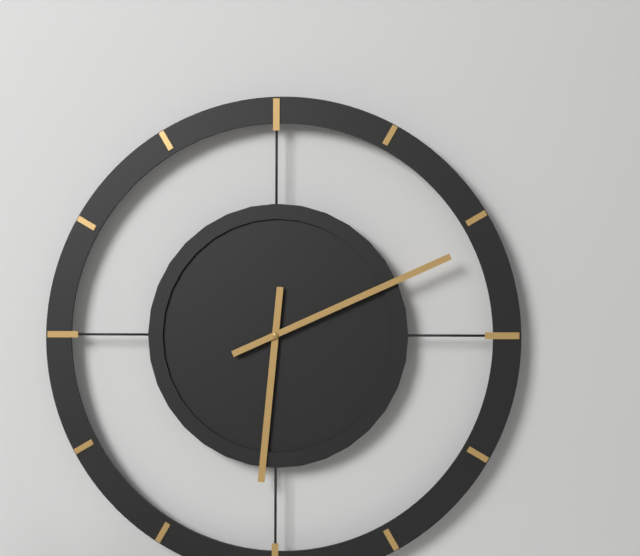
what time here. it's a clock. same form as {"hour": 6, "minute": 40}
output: {"hour": 6, "minute": 11}
